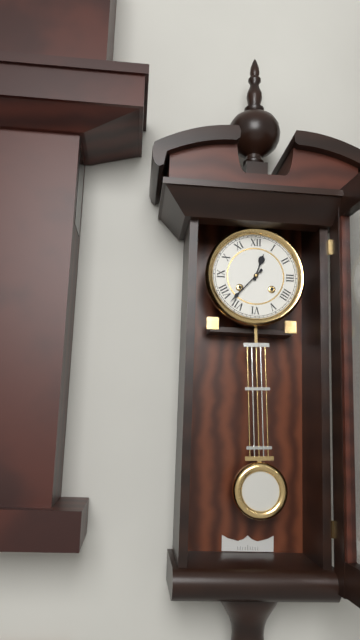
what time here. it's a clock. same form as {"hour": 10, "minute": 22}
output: {"hour": 12, "minute": 37}
